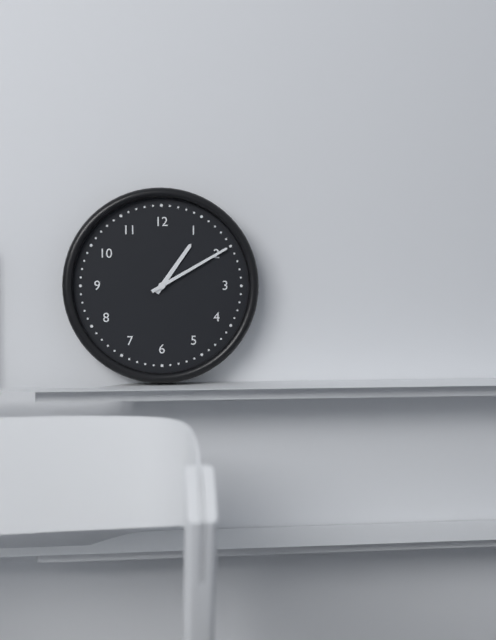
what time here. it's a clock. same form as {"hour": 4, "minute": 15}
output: {"hour": 1, "minute": 10}
